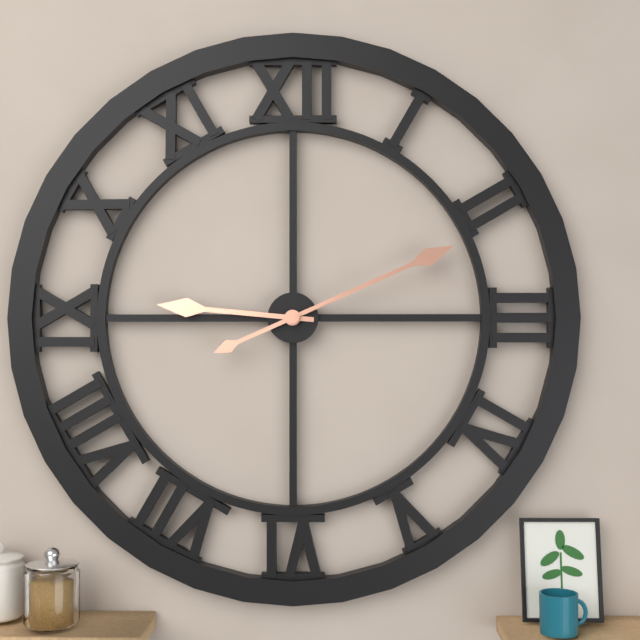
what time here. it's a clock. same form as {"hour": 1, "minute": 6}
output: {"hour": 9, "minute": 11}
